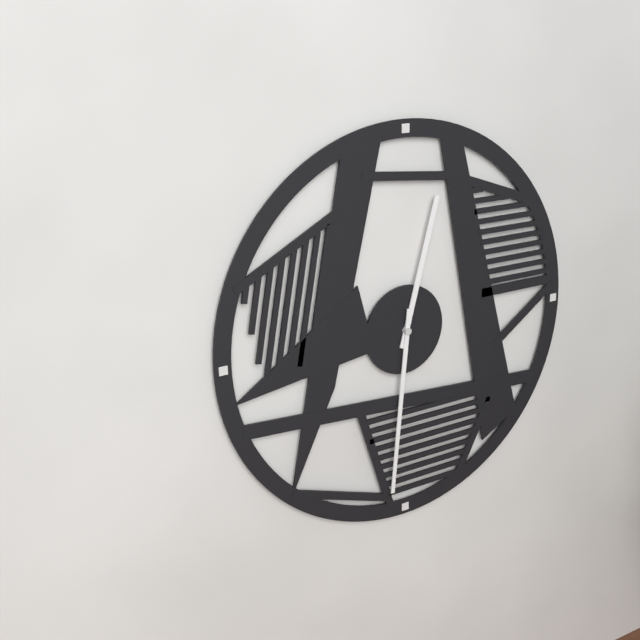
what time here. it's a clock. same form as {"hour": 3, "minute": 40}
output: {"hour": 12, "minute": 31}
